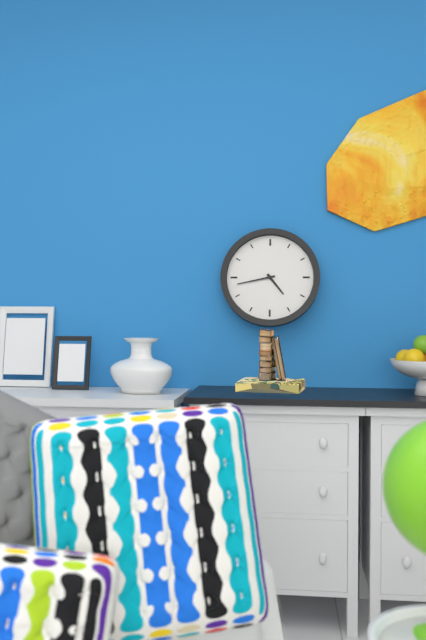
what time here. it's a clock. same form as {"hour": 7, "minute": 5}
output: {"hour": 4, "minute": 43}
